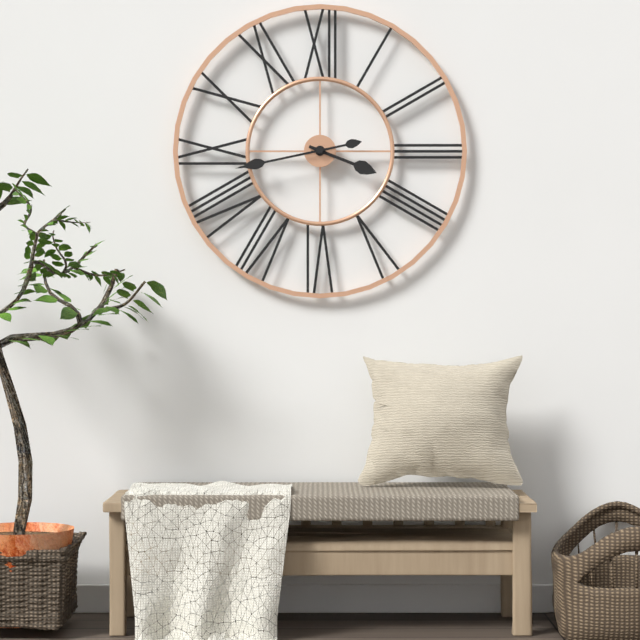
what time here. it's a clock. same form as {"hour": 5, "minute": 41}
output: {"hour": 3, "minute": 43}
